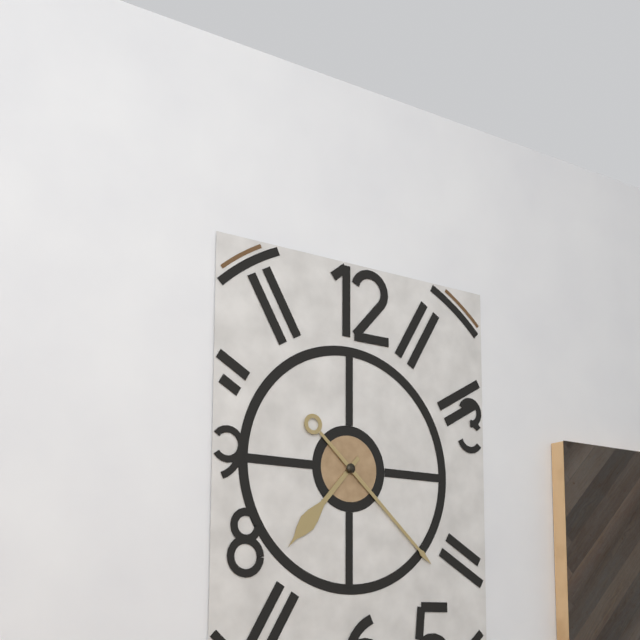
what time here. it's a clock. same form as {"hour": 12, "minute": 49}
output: {"hour": 7, "minute": 22}
